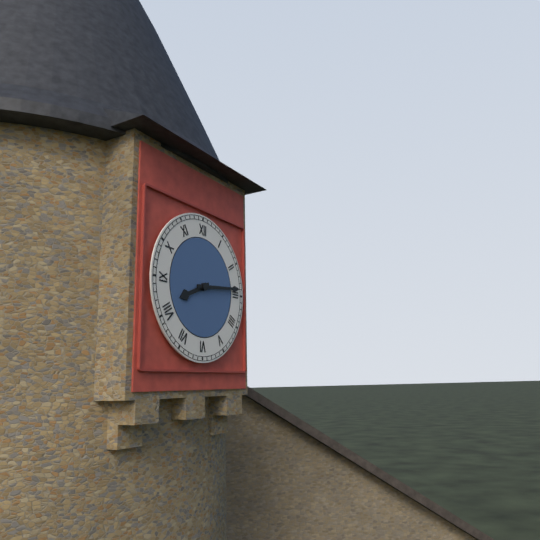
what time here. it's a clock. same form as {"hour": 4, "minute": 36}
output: {"hour": 8, "minute": 14}
